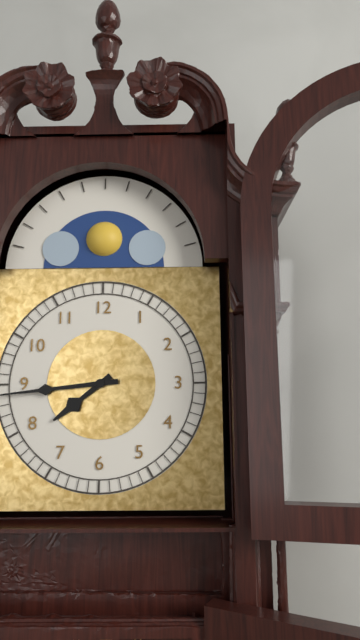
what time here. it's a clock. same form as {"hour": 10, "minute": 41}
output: {"hour": 7, "minute": 44}
